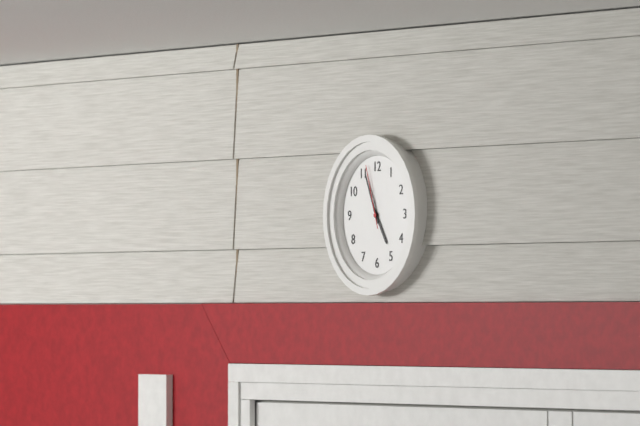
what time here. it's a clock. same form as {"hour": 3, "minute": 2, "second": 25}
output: {"hour": 4, "minute": 56, "second": 57}
